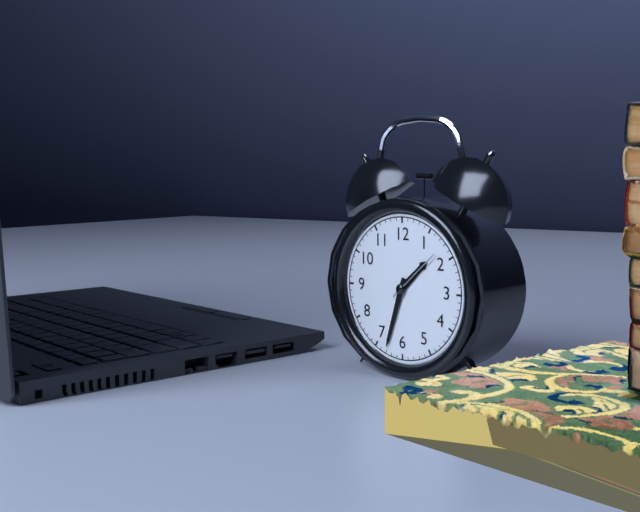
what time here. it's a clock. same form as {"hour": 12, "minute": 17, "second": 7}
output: {"hour": 1, "minute": 33, "second": 8}
